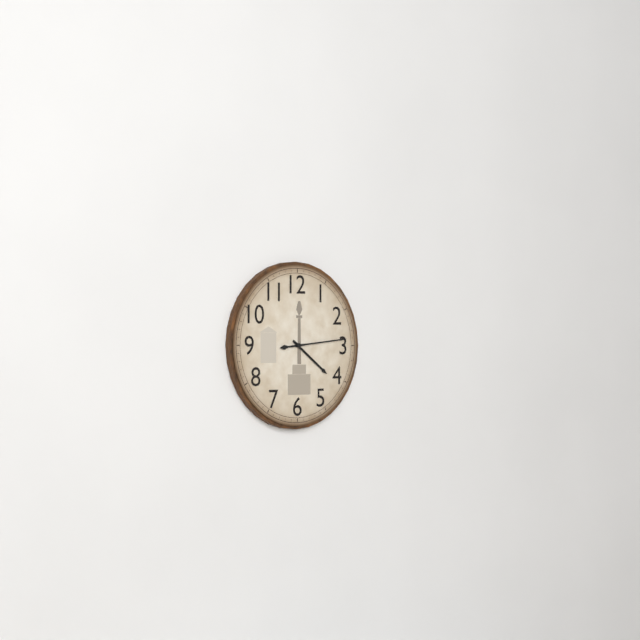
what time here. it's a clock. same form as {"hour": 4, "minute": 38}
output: {"hour": 4, "minute": 14}
